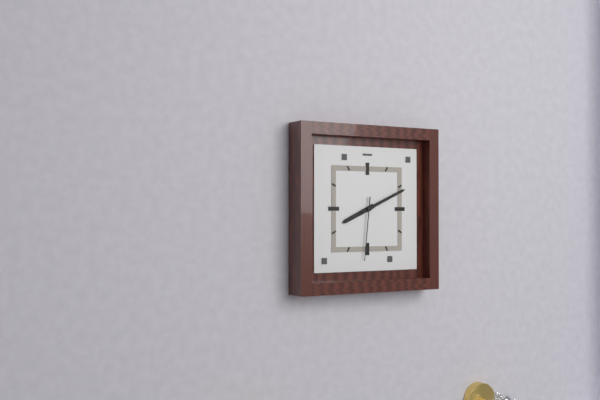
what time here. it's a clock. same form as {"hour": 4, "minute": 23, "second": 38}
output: {"hour": 8, "minute": 11, "second": 31}
